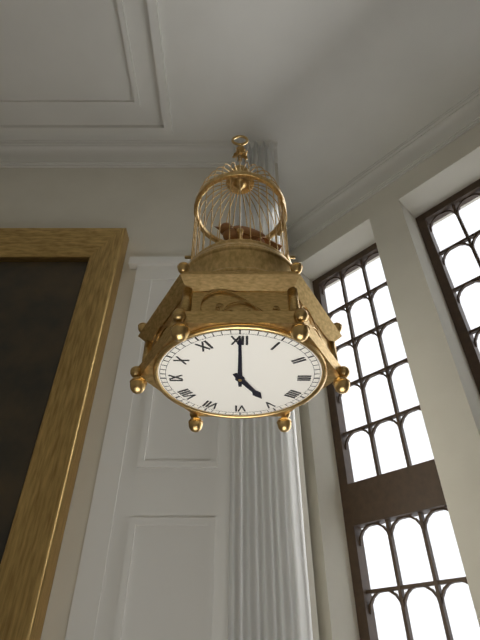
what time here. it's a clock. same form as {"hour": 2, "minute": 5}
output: {"hour": 5, "minute": 0}
